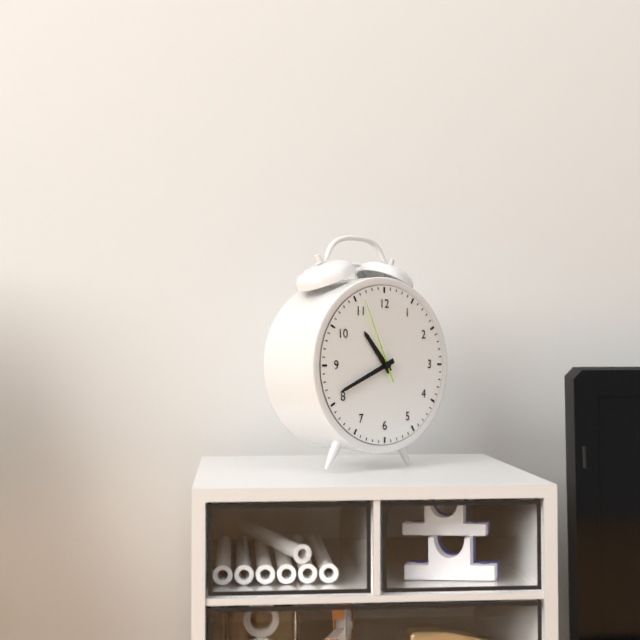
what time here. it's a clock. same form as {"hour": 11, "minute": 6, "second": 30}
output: {"hour": 10, "minute": 41, "second": 56}
